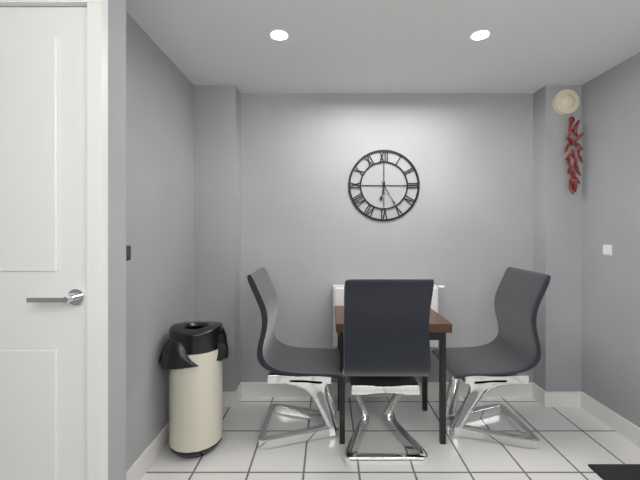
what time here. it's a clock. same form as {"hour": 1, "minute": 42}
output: {"hour": 6, "minute": 25}
